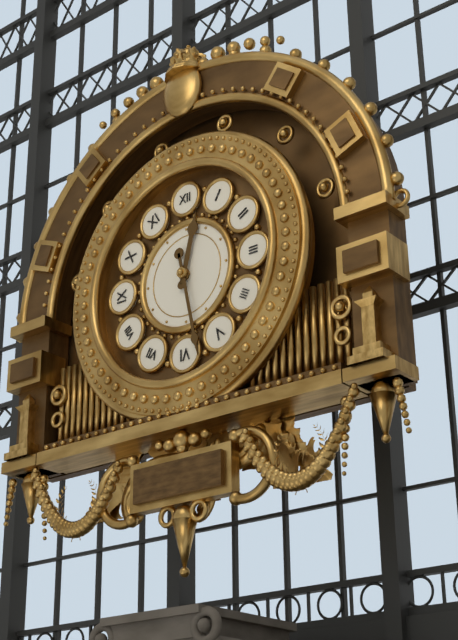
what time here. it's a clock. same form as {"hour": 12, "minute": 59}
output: {"hour": 12, "minute": 28}
